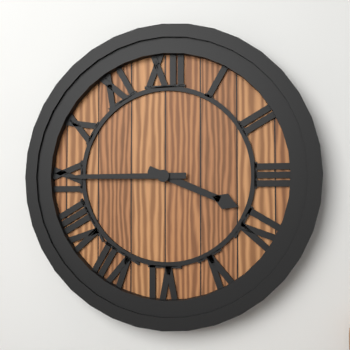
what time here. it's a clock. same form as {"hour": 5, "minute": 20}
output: {"hour": 3, "minute": 45}
